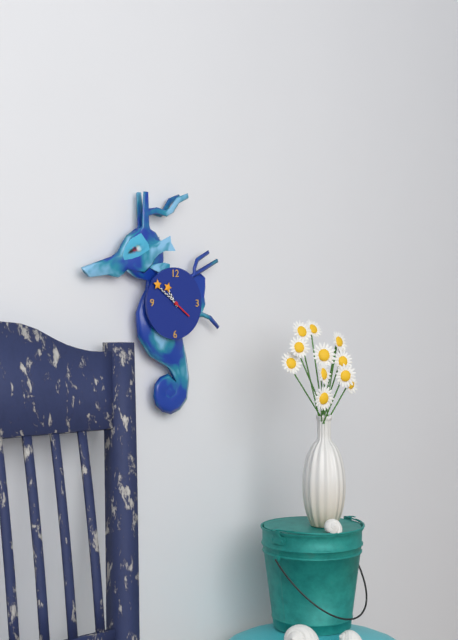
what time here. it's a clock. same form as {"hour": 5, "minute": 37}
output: {"hour": 10, "minute": 51}
